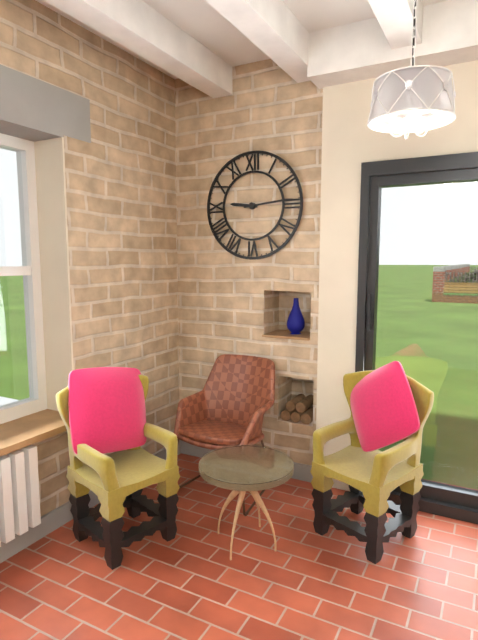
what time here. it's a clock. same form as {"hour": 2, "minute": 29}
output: {"hour": 9, "minute": 14}
